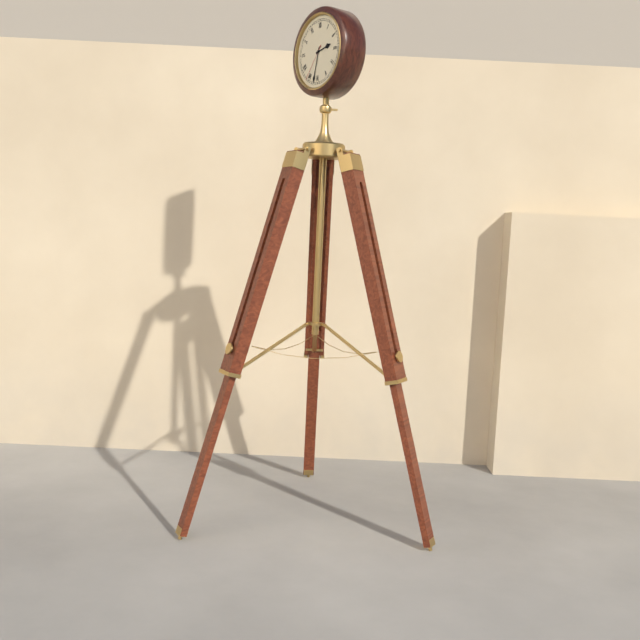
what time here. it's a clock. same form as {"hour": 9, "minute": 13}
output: {"hour": 2, "minute": 32}
